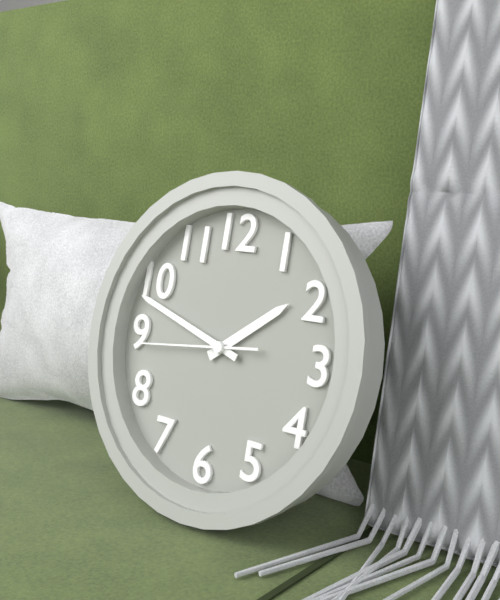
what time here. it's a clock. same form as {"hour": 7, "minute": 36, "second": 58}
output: {"hour": 1, "minute": 48, "second": 44}
